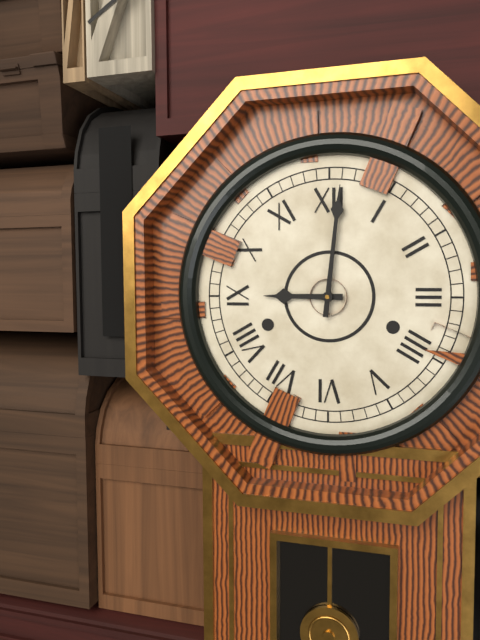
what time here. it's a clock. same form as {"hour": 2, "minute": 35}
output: {"hour": 9, "minute": 1}
